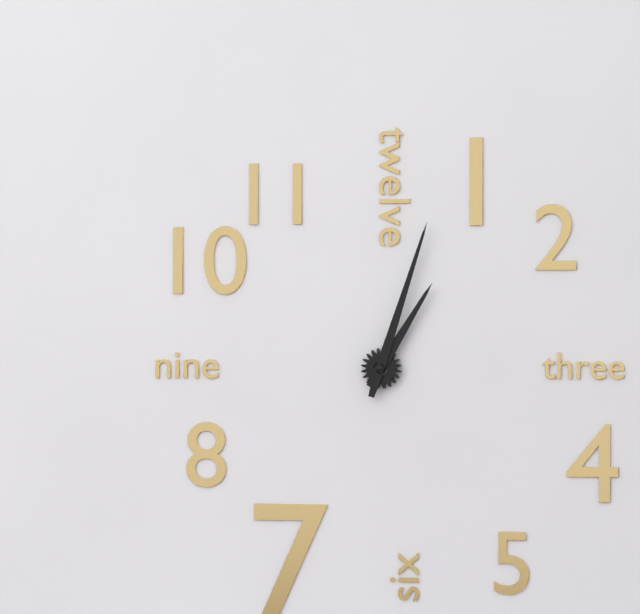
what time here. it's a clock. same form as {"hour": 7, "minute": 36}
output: {"hour": 1, "minute": 3}
